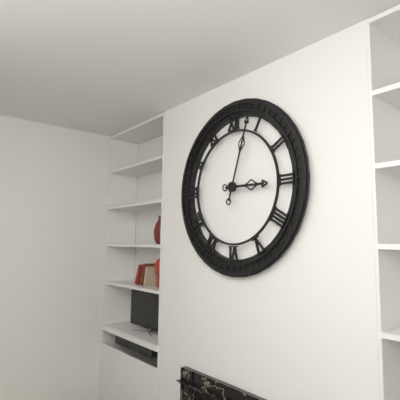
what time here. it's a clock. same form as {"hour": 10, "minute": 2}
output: {"hour": 3, "minute": 3}
